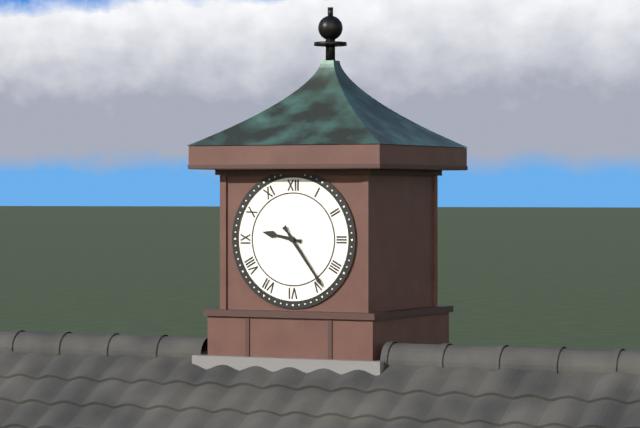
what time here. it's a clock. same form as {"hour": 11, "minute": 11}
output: {"hour": 9, "minute": 24}
